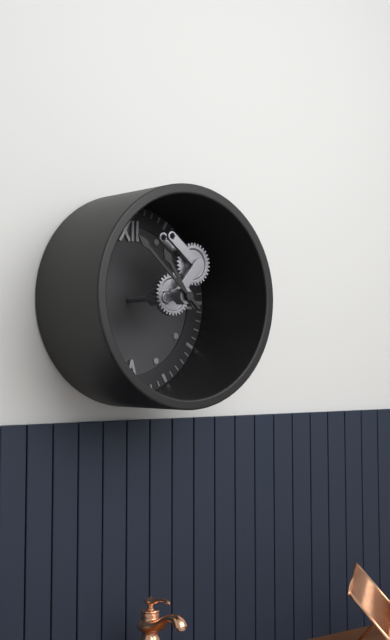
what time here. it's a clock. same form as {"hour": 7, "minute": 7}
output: {"hour": 10, "minute": 52}
